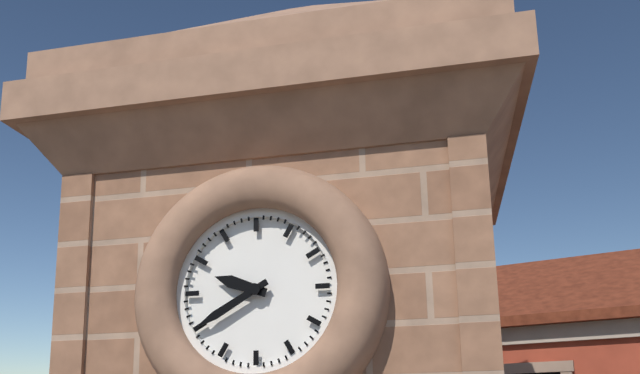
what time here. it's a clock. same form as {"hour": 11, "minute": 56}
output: {"hour": 9, "minute": 40}
